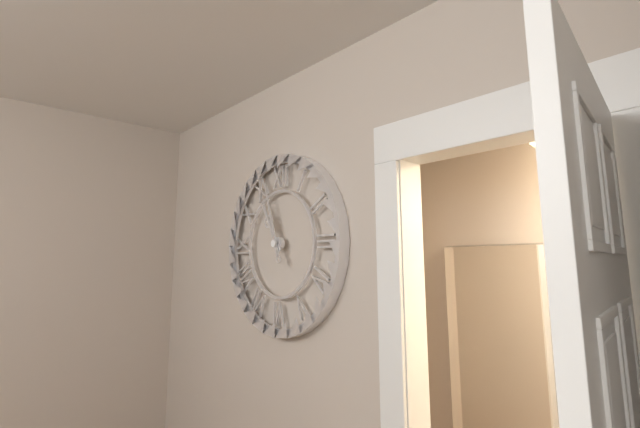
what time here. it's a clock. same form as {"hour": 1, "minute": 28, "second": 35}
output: {"hour": 10, "minute": 57, "second": 56}
